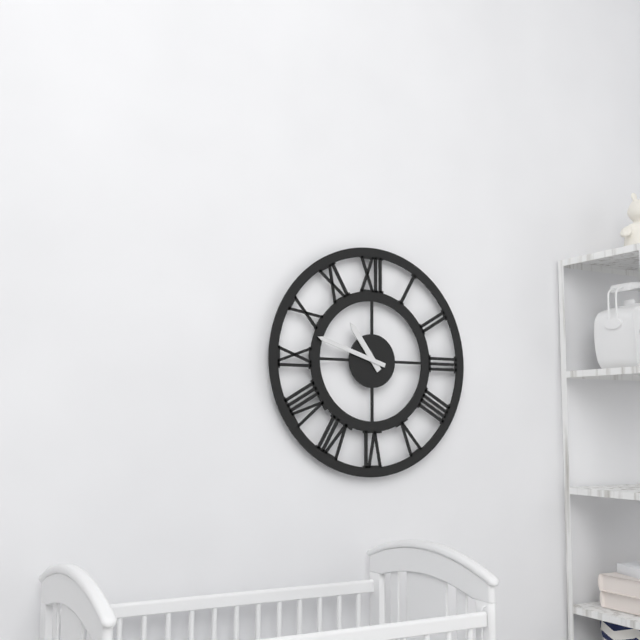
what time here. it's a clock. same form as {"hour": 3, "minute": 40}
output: {"hour": 10, "minute": 48}
